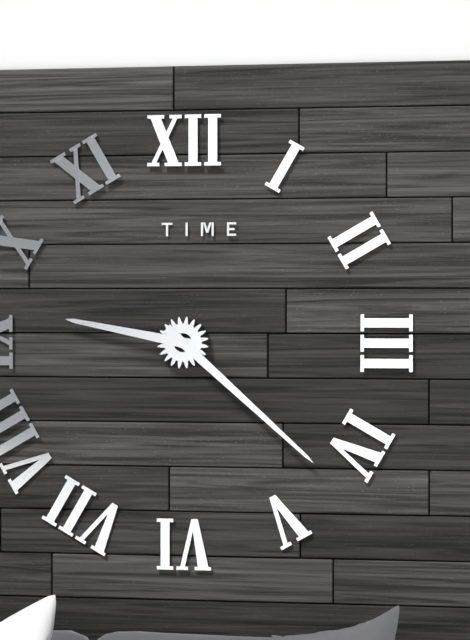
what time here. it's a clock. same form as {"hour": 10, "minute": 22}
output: {"hour": 9, "minute": 22}
